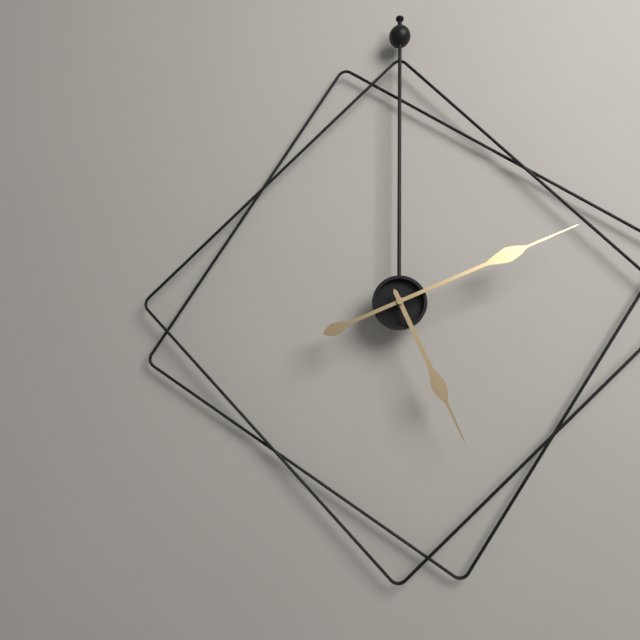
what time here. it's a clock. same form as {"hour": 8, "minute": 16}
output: {"hour": 5, "minute": 11}
